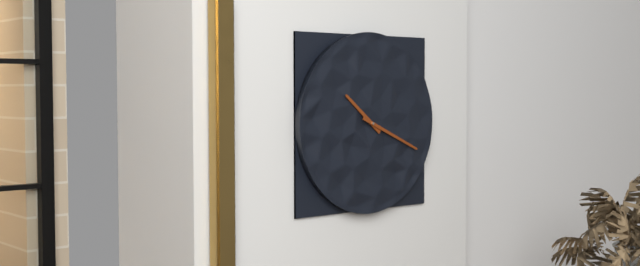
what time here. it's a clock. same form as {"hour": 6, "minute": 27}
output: {"hour": 10, "minute": 19}
